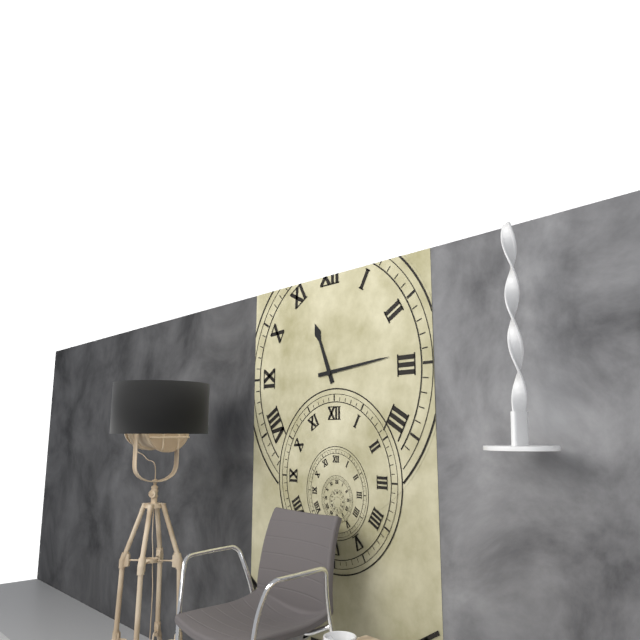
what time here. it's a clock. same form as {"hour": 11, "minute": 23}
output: {"hour": 11, "minute": 14}
